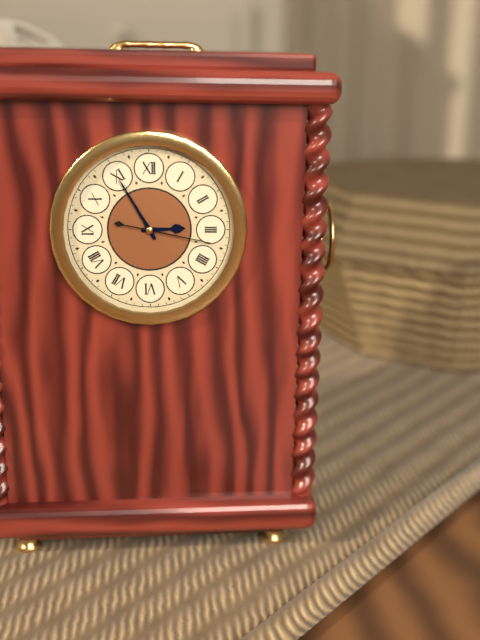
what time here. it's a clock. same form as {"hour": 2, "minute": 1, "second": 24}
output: {"hour": 2, "minute": 55, "second": 17}
